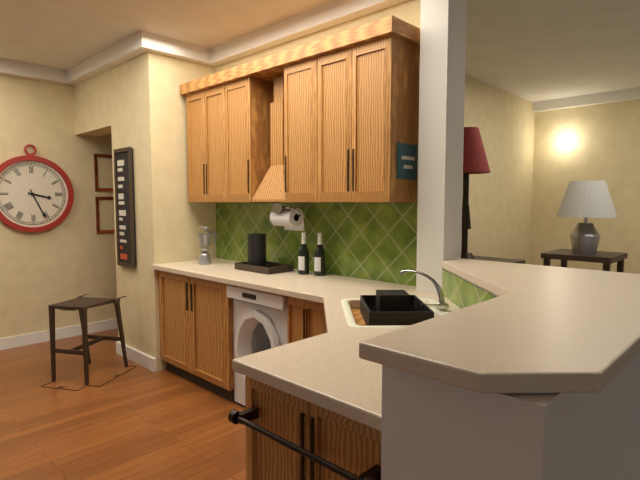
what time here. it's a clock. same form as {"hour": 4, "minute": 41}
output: {"hour": 3, "minute": 26}
